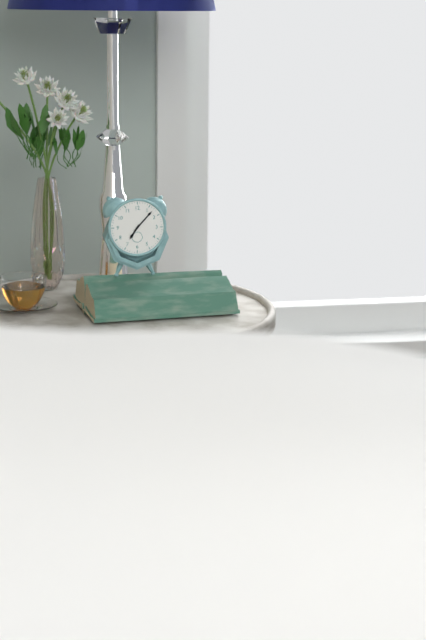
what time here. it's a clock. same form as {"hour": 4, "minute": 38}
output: {"hour": 7, "minute": 7}
